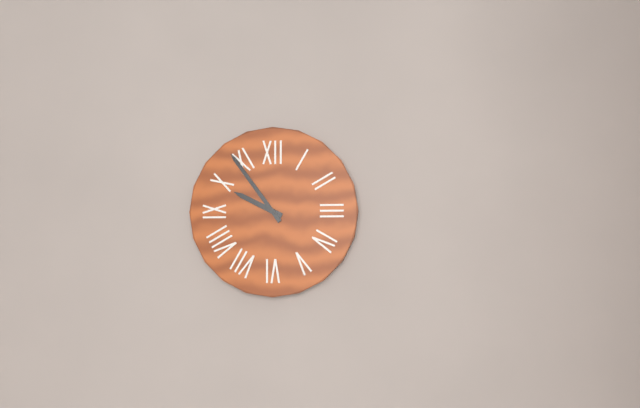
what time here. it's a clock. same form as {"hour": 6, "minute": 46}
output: {"hour": 9, "minute": 54}
